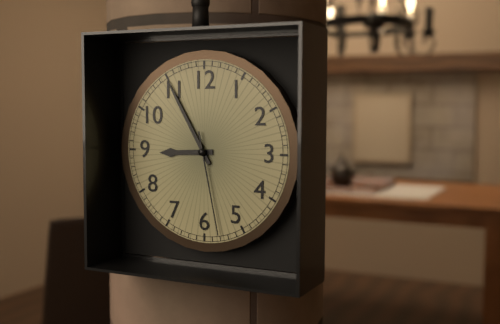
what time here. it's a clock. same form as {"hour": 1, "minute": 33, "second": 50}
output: {"hour": 8, "minute": 55, "second": 28}
